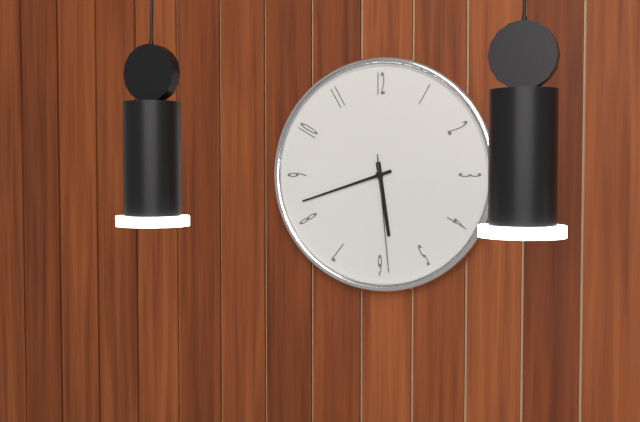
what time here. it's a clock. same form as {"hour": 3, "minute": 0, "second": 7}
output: {"hour": 5, "minute": 42, "second": 29}
